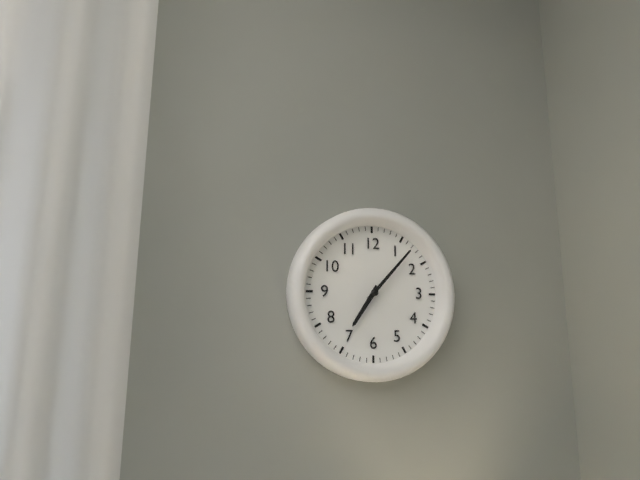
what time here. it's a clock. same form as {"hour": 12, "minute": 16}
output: {"hour": 7, "minute": 7}
